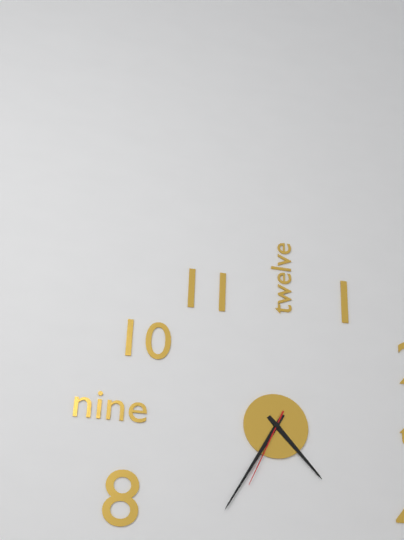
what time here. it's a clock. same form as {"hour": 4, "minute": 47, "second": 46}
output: {"hour": 4, "minute": 35, "second": 34}
